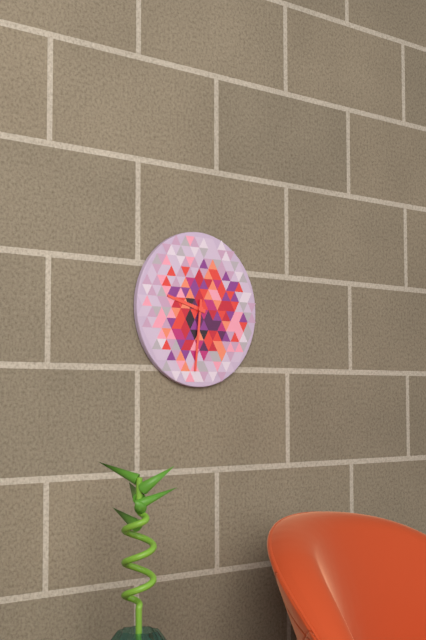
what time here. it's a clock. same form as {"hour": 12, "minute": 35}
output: {"hour": 9, "minute": 31}
